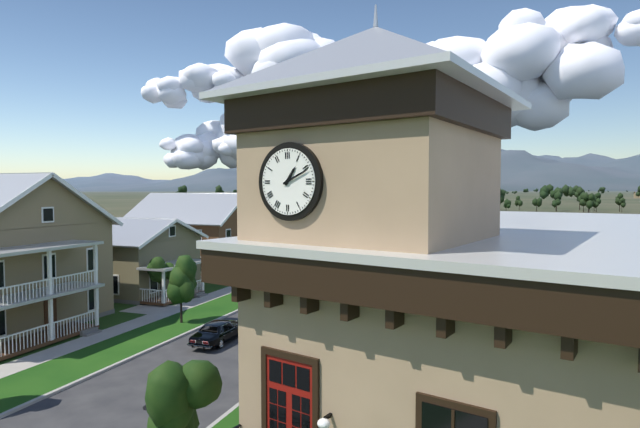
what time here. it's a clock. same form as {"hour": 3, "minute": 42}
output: {"hour": 1, "minute": 11}
